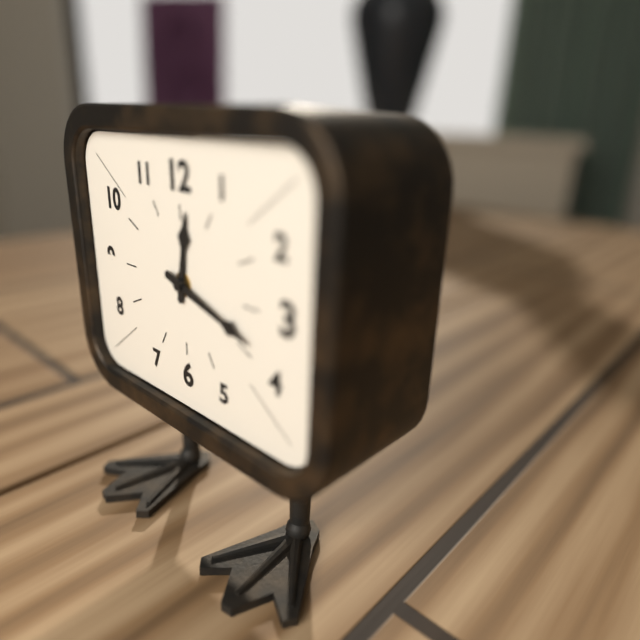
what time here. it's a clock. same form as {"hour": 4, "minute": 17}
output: {"hour": 12, "minute": 18}
